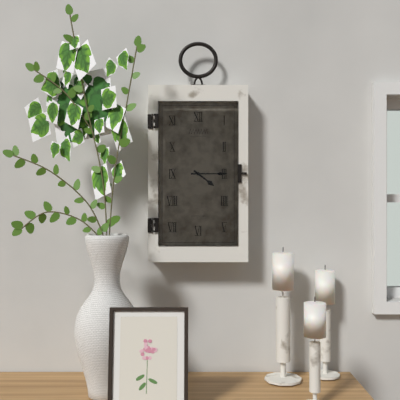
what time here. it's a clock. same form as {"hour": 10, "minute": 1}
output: {"hour": 4, "minute": 15}
